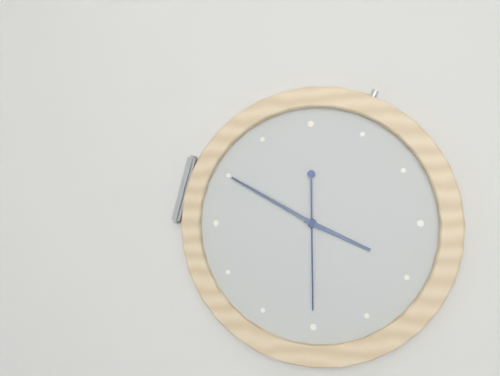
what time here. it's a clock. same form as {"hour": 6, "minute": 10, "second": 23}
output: {"hour": 3, "minute": 50, "second": 30}
